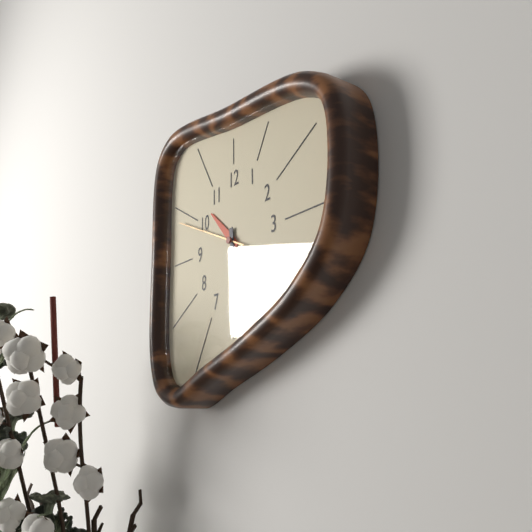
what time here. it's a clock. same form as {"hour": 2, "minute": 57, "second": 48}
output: {"hour": 10, "minute": 29, "second": 49}
